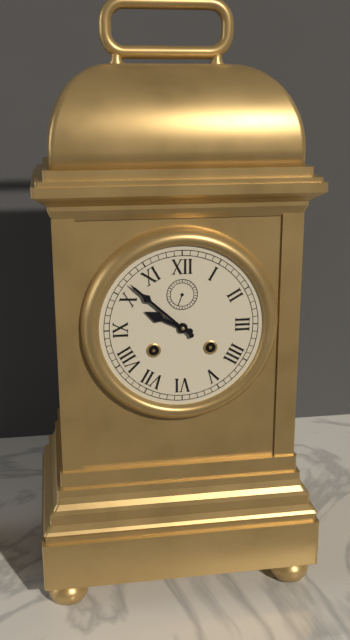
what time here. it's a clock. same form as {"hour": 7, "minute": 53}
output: {"hour": 9, "minute": 52}
